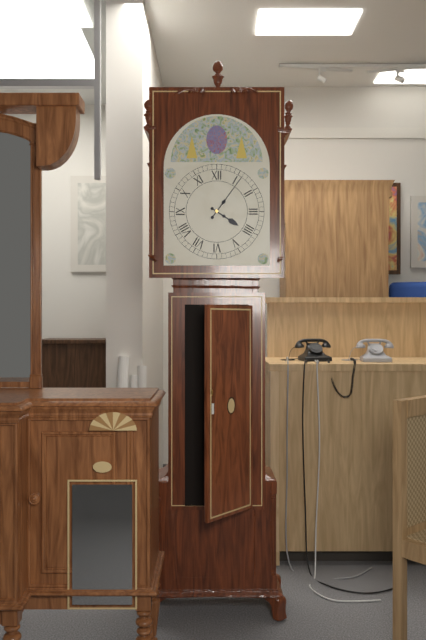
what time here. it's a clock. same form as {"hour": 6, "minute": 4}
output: {"hour": 4, "minute": 6}
